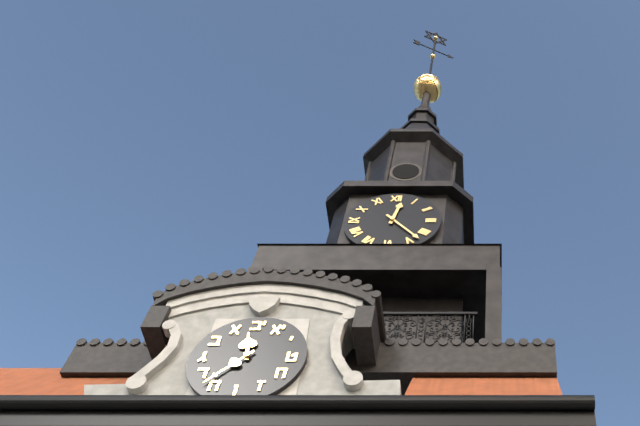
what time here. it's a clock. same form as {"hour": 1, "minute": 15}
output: {"hour": 12, "minute": 23}
